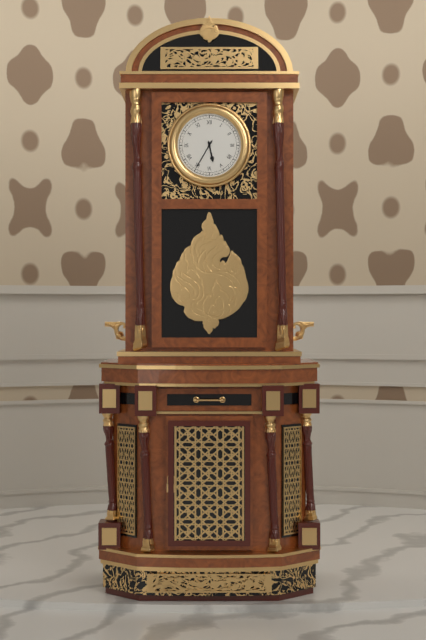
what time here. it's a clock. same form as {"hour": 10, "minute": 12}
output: {"hour": 5, "minute": 35}
